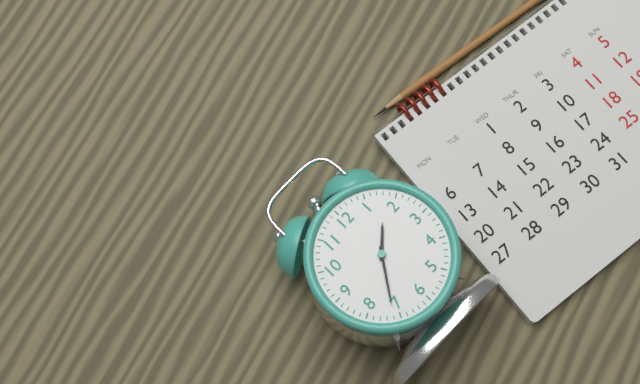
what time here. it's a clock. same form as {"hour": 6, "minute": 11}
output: {"hour": 1, "minute": 36}
